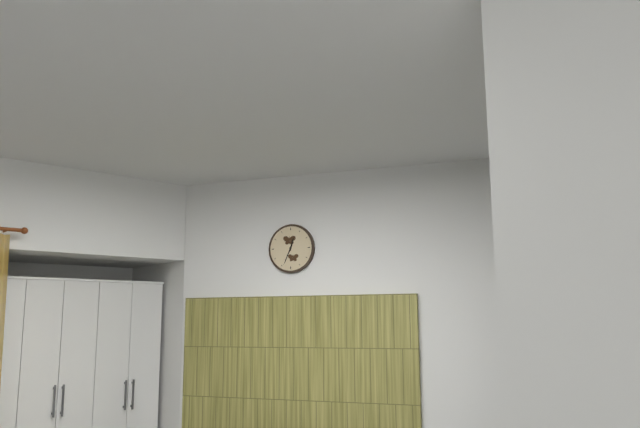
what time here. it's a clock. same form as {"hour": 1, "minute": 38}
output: {"hour": 12, "minute": 34}
